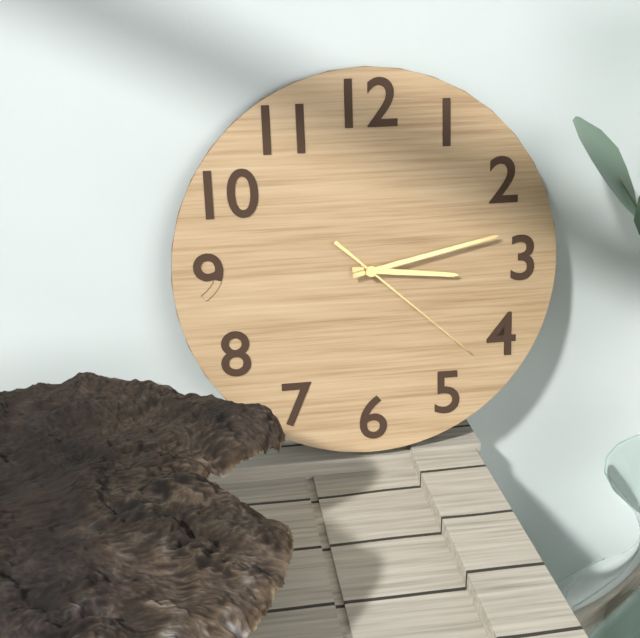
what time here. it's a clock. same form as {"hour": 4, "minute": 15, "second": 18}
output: {"hour": 3, "minute": 13, "second": 22}
